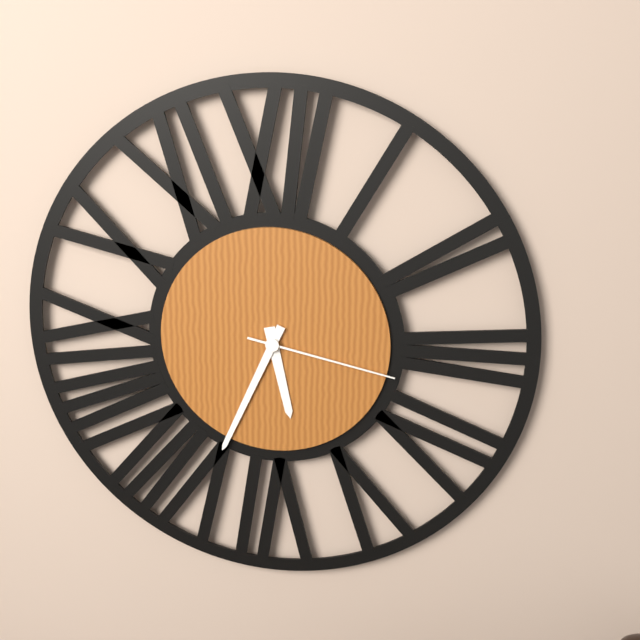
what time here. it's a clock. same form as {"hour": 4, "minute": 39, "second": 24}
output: {"hour": 5, "minute": 34, "second": 17}
